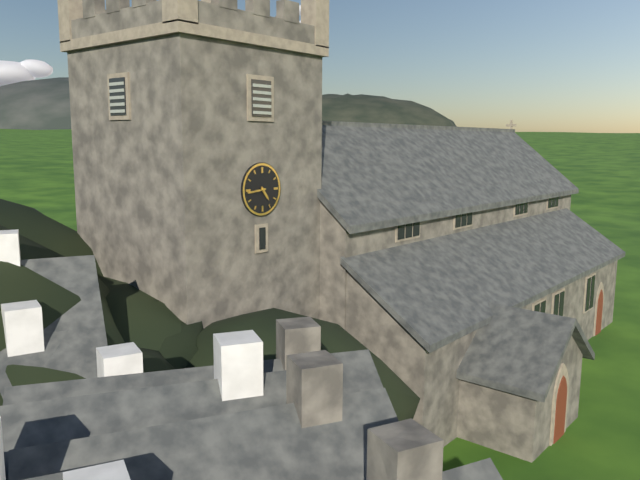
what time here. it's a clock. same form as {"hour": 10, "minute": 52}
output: {"hour": 4, "minute": 44}
